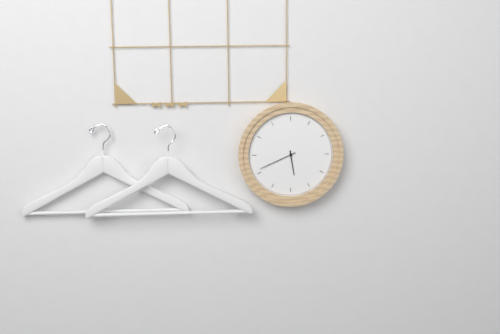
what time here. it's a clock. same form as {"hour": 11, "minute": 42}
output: {"hour": 5, "minute": 41}
